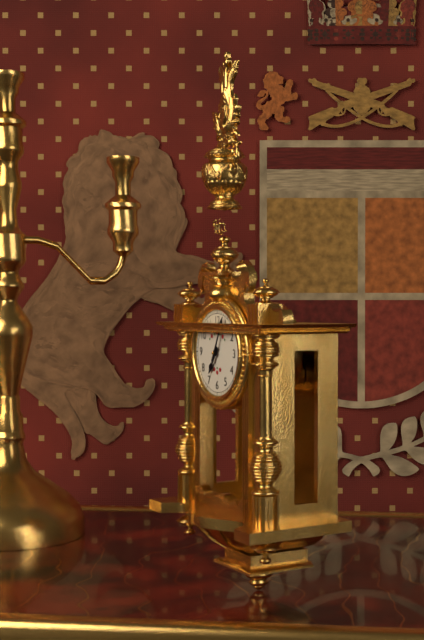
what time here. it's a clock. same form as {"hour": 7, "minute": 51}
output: {"hour": 7, "minute": 4}
